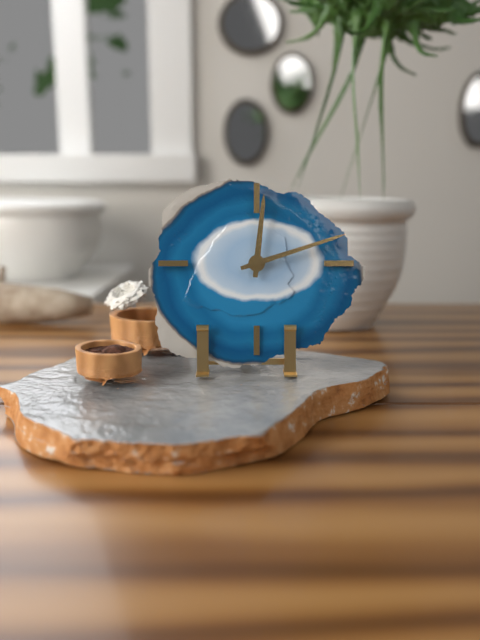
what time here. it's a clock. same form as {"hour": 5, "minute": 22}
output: {"hour": 12, "minute": 12}
